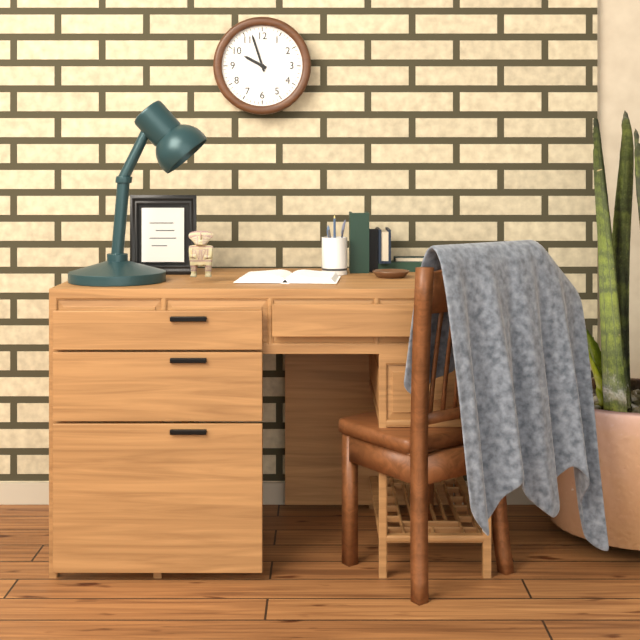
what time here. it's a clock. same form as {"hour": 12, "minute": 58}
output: {"hour": 9, "minute": 57}
